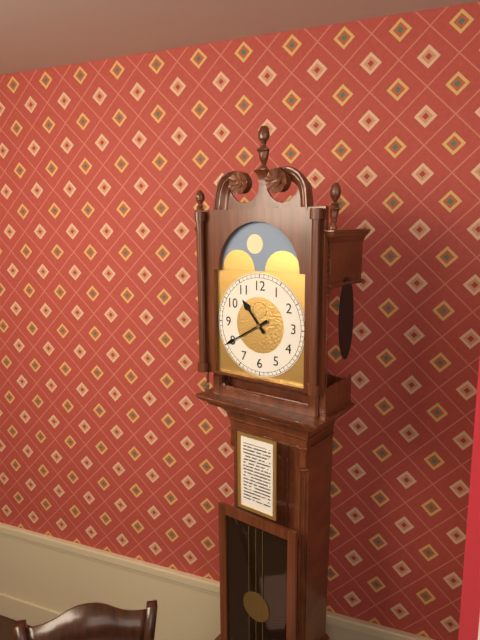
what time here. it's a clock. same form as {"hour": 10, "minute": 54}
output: {"hour": 10, "minute": 40}
